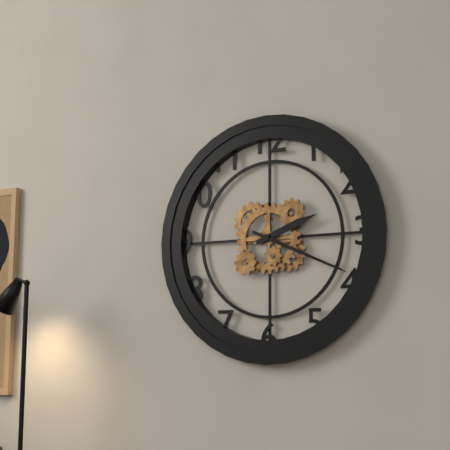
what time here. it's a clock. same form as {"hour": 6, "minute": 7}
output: {"hour": 2, "minute": 19}
